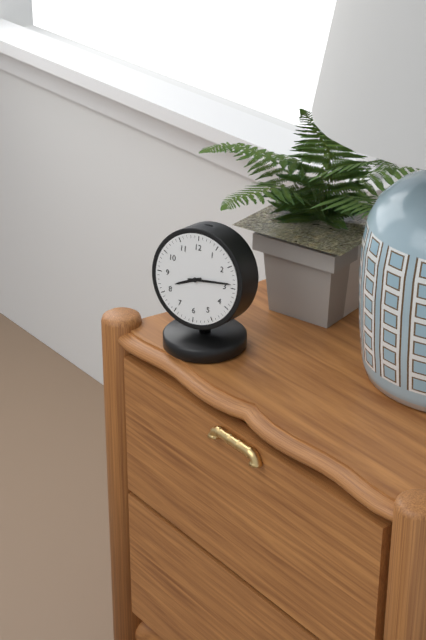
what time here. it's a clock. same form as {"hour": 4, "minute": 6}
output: {"hour": 8, "minute": 14}
